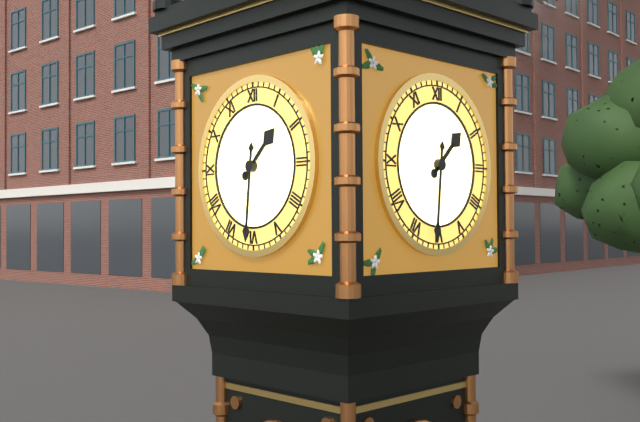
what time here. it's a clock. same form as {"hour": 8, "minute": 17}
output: {"hour": 1, "minute": 31}
